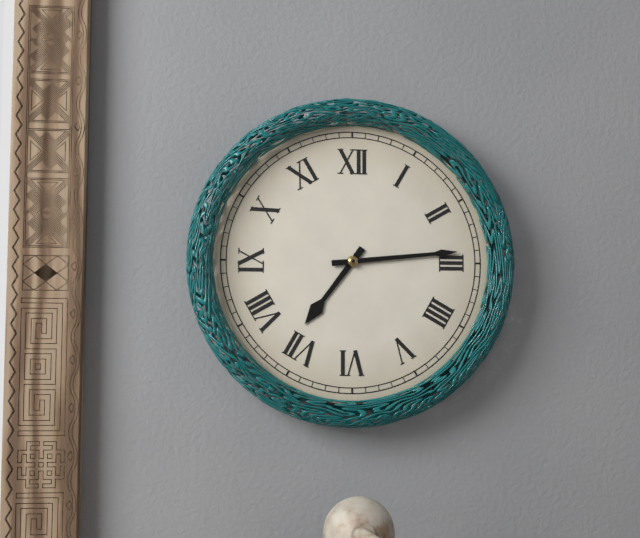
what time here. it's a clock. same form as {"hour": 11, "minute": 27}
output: {"hour": 7, "minute": 14}
